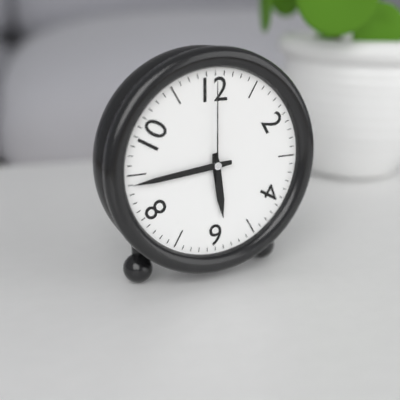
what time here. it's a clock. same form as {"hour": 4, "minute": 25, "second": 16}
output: {"hour": 5, "minute": 44, "second": 0}
